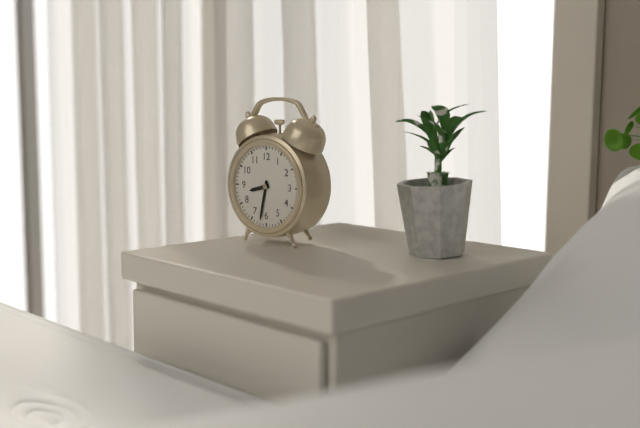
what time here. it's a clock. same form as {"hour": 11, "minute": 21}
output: {"hour": 8, "minute": 32}
